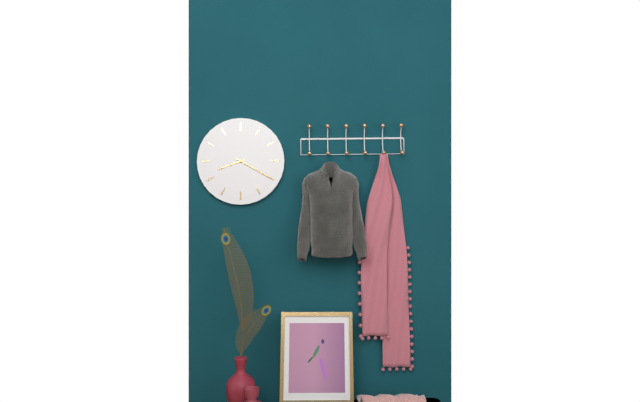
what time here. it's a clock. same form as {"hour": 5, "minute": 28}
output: {"hour": 8, "minute": 20}
